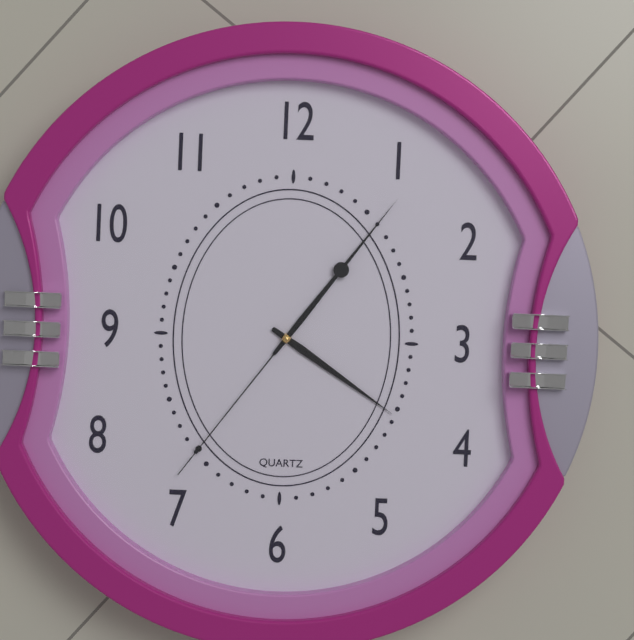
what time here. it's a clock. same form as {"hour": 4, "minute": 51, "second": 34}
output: {"hour": 4, "minute": 6, "second": 36}
